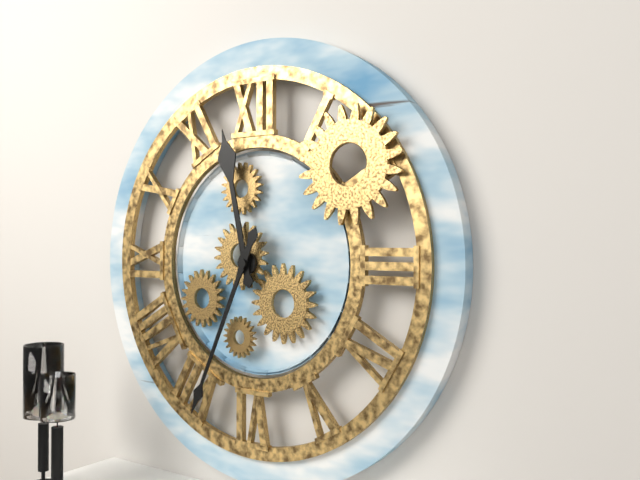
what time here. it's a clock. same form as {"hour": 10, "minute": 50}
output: {"hour": 11, "minute": 34}
